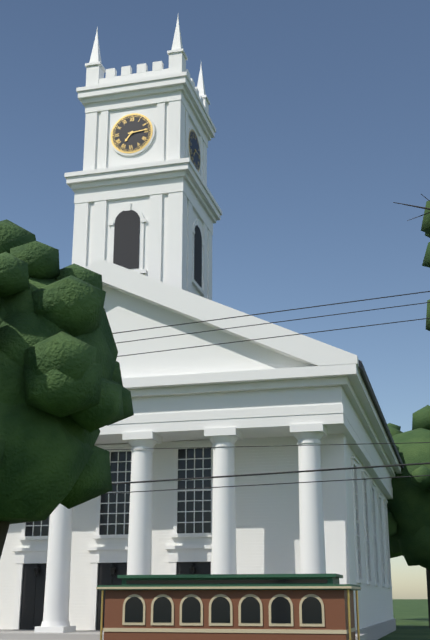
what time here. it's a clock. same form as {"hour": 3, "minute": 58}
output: {"hour": 7, "minute": 14}
